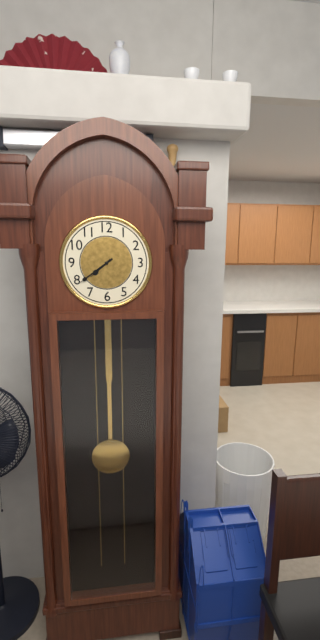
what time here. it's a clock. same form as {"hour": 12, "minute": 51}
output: {"hour": 7, "minute": 39}
